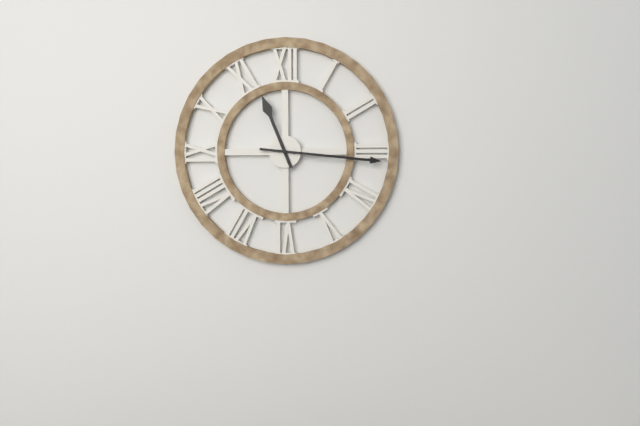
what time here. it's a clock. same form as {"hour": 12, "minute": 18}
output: {"hour": 11, "minute": 16}
